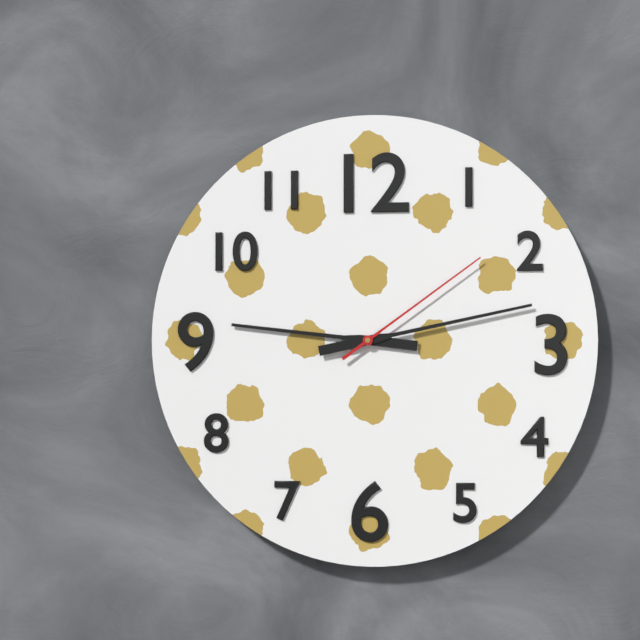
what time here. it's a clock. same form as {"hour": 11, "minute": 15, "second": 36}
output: {"hour": 9, "minute": 13, "second": 9}
